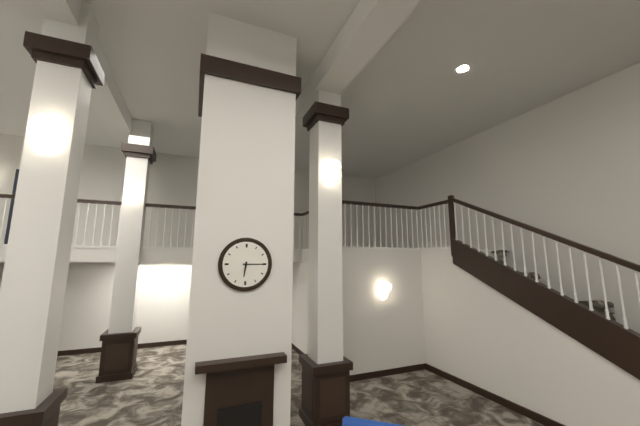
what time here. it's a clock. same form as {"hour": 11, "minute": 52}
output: {"hour": 6, "minute": 15}
